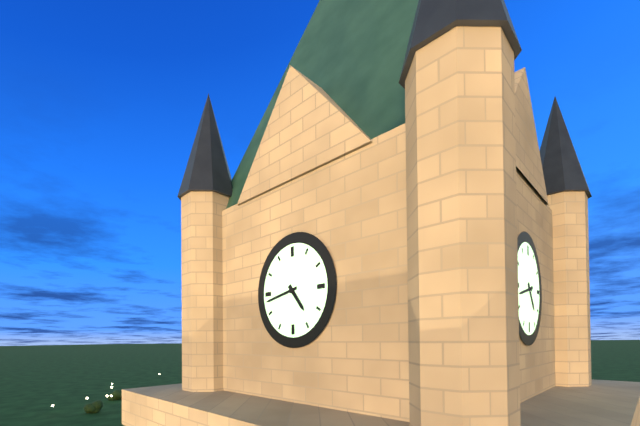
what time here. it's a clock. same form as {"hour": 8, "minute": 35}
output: {"hour": 4, "minute": 43}
